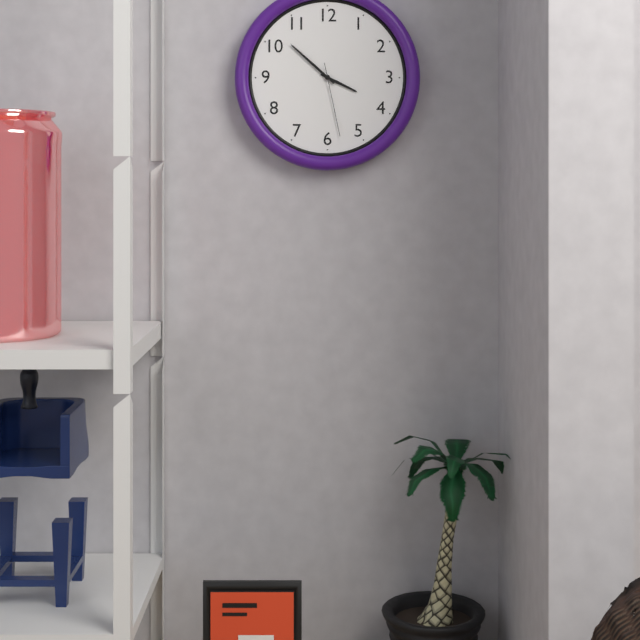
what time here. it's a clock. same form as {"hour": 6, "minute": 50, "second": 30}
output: {"hour": 3, "minute": 52, "second": 28}
